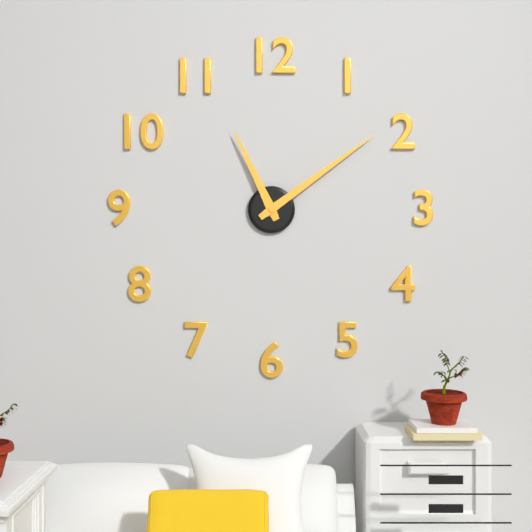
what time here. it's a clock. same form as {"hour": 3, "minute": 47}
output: {"hour": 11, "minute": 9}
